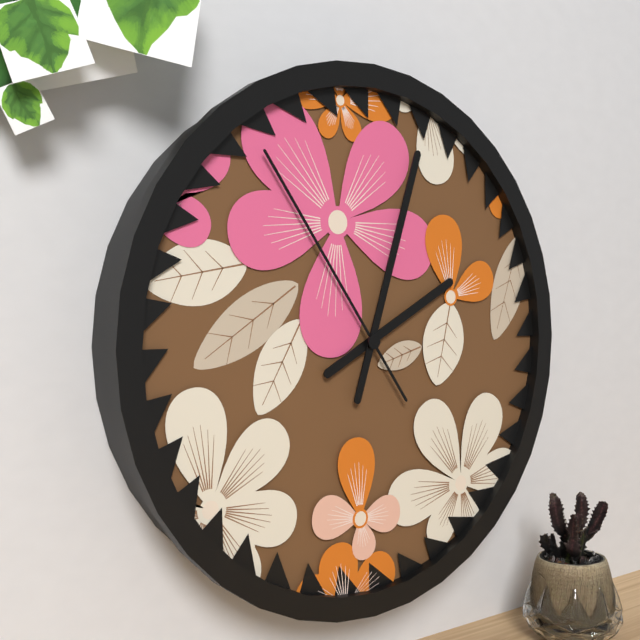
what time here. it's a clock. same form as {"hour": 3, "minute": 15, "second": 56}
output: {"hour": 2, "minute": 3, "second": 54}
